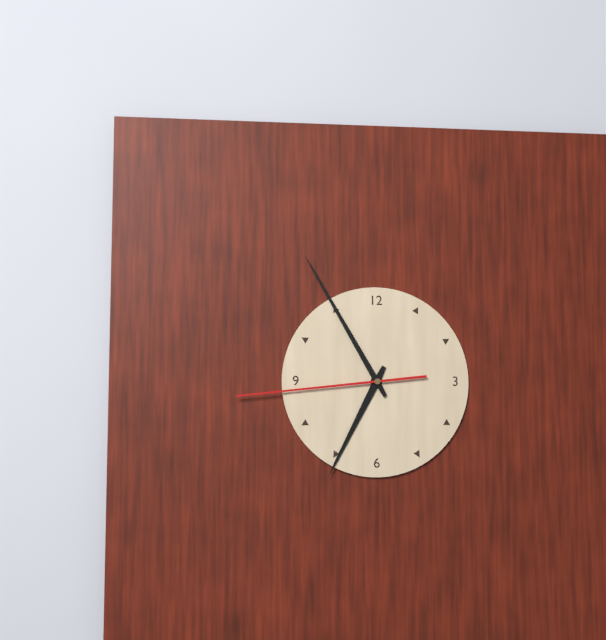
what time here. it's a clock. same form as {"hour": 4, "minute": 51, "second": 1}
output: {"hour": 6, "minute": 55, "second": 44}
